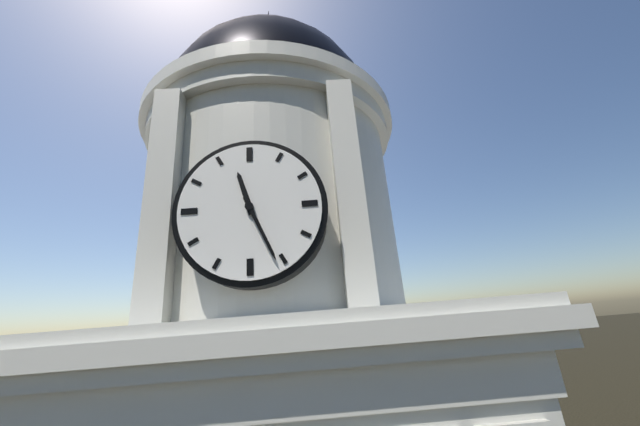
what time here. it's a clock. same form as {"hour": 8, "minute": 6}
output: {"hour": 11, "minute": 26}
